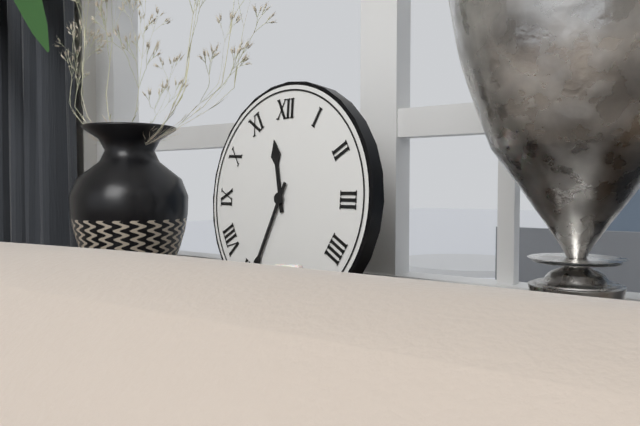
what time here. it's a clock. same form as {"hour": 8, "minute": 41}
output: {"hour": 11, "minute": 34}
